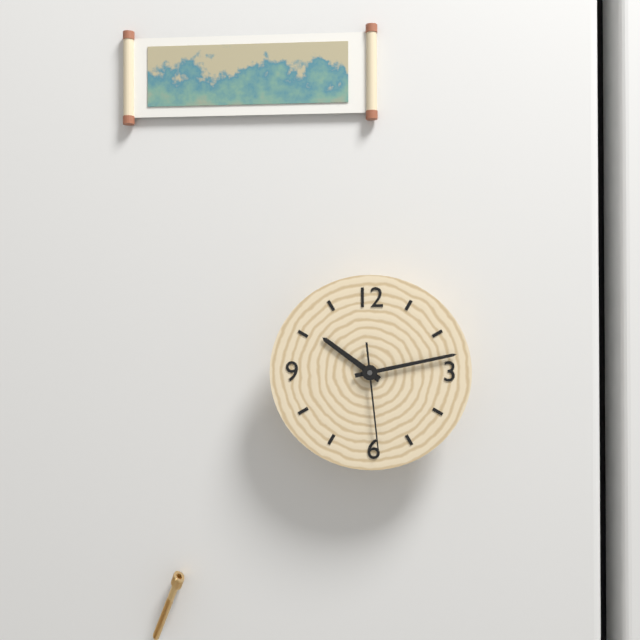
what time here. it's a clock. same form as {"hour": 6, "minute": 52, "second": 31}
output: {"hour": 10, "minute": 13, "second": 29}
